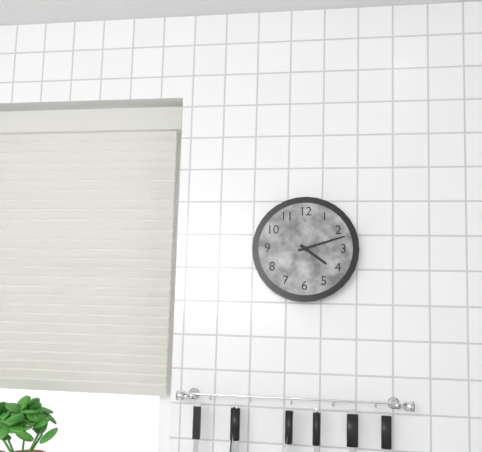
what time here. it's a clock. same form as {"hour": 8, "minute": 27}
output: {"hour": 4, "minute": 12}
